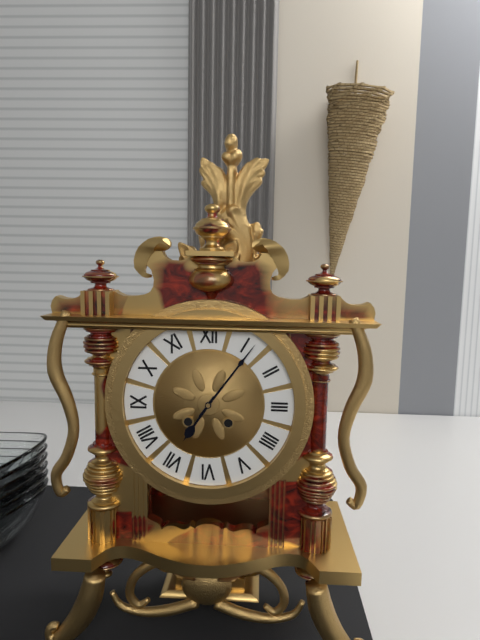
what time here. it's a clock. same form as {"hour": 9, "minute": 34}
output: {"hour": 7, "minute": 6}
